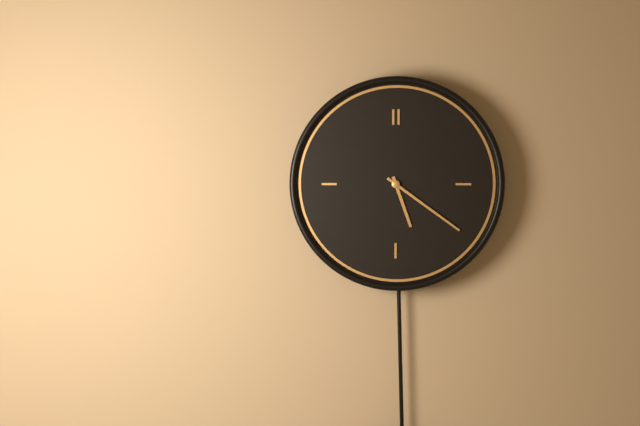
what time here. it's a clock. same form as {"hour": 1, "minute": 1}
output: {"hour": 5, "minute": 21}
